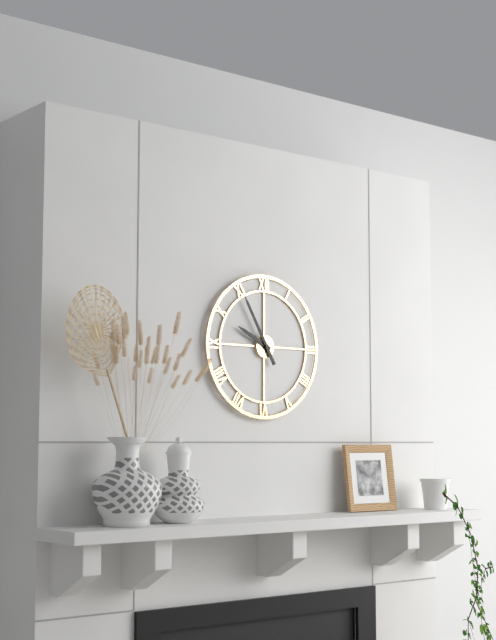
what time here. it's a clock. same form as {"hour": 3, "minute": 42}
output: {"hour": 9, "minute": 55}
